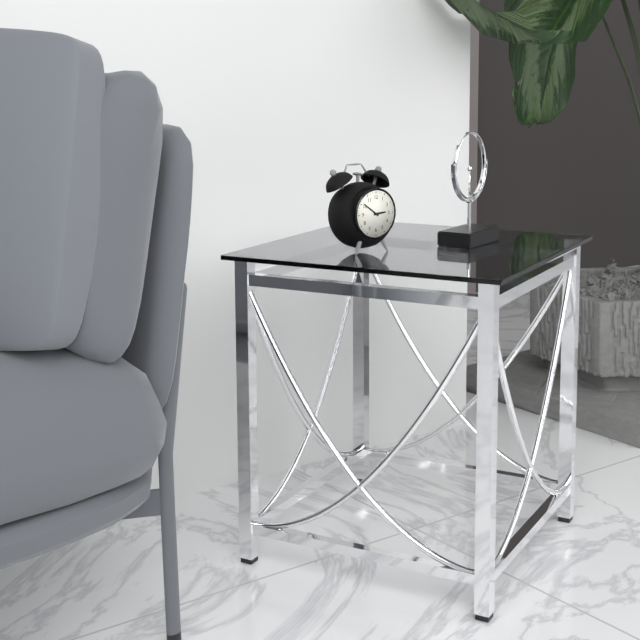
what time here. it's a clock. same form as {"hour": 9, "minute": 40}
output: {"hour": 2, "minute": 51}
